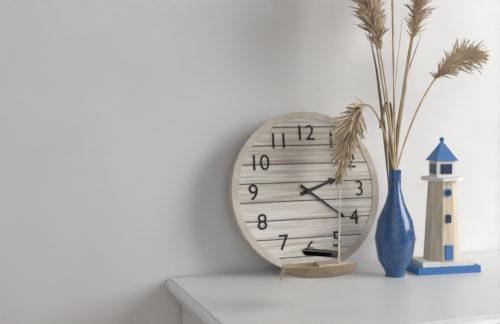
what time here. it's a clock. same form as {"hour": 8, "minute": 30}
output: {"hour": 2, "minute": 21}
